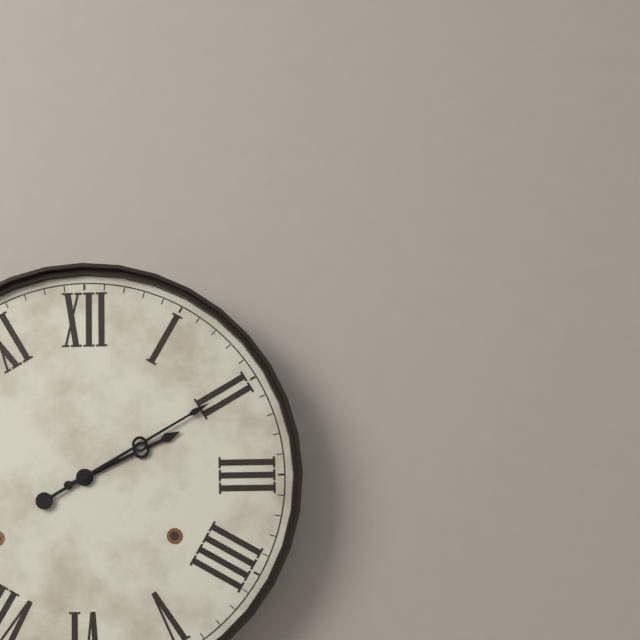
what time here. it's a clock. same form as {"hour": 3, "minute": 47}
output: {"hour": 2, "minute": 10}
